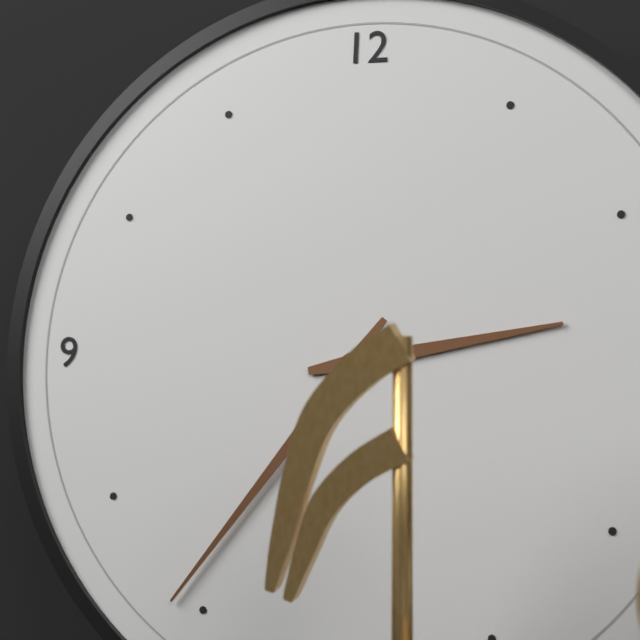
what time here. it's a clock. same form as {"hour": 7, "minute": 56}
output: {"hour": 2, "minute": 36}
